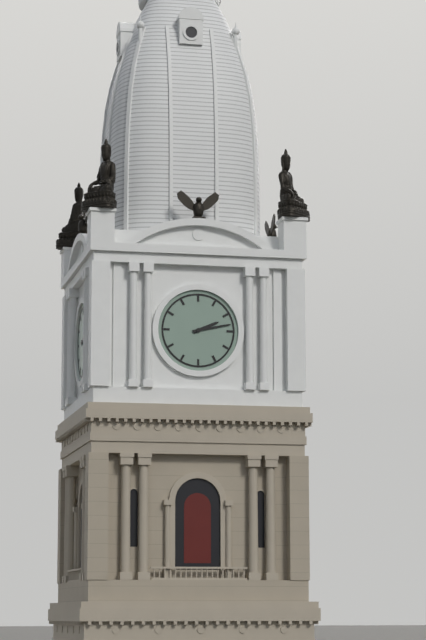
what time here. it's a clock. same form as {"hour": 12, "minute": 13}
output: {"hour": 2, "minute": 13}
